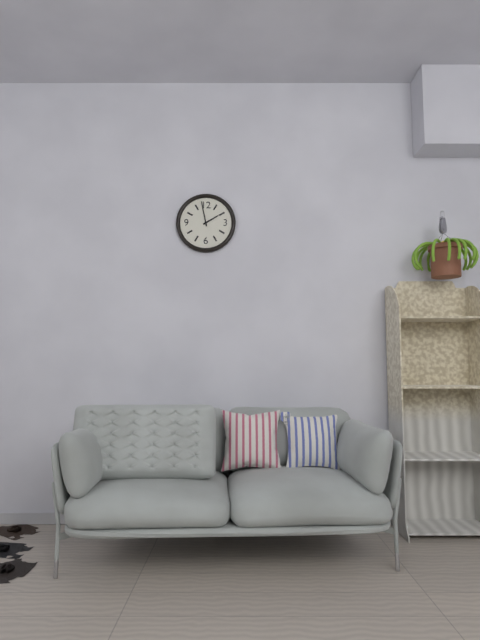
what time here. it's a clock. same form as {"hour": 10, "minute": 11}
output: {"hour": 1, "minute": 58}
